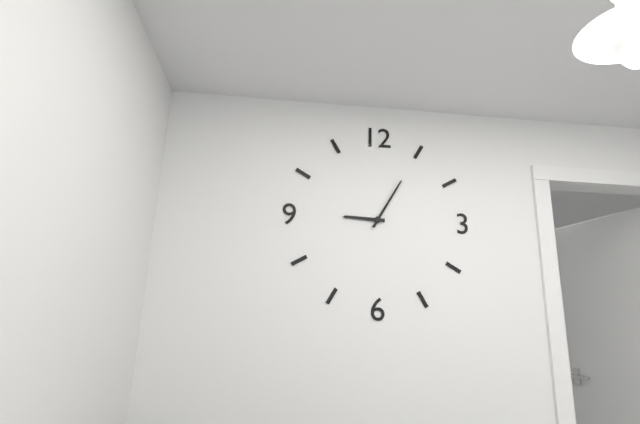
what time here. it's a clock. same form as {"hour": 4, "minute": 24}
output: {"hour": 9, "minute": 5}
